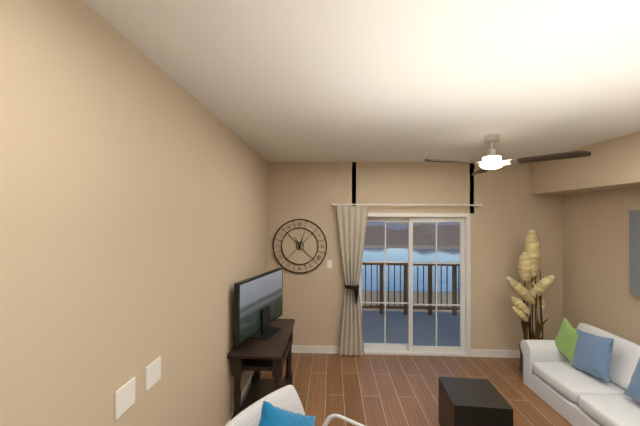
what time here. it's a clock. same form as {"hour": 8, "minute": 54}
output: {"hour": 11, "minute": 3}
